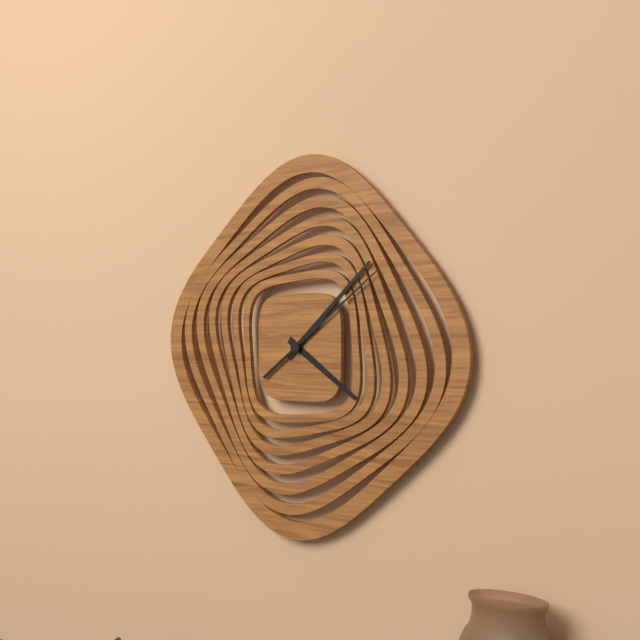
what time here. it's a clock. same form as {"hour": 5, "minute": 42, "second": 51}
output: {"hour": 4, "minute": 8, "second": 9}
